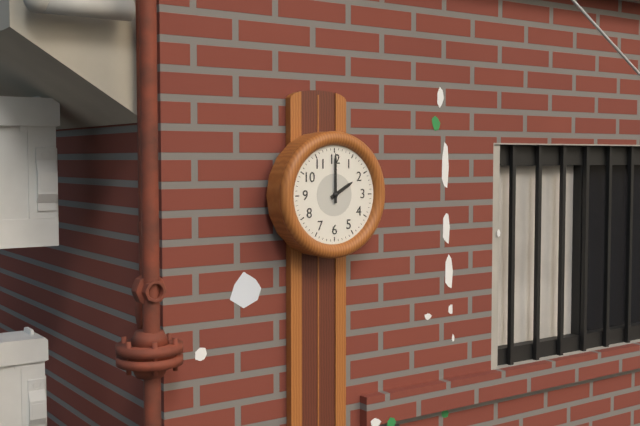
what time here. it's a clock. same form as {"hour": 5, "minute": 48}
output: {"hour": 2, "minute": 0}
